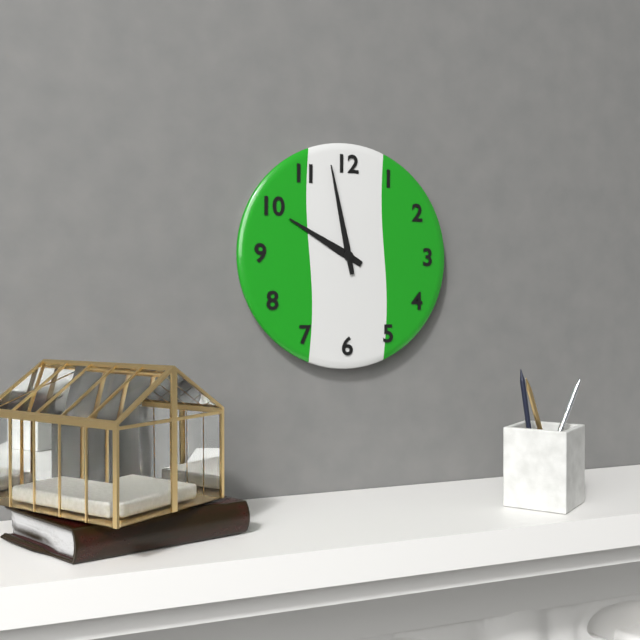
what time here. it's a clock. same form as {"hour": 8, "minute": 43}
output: {"hour": 9, "minute": 58}
